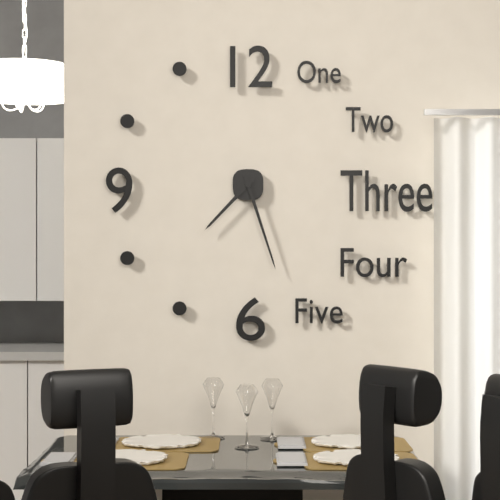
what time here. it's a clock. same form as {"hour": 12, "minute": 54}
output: {"hour": 7, "minute": 27}
